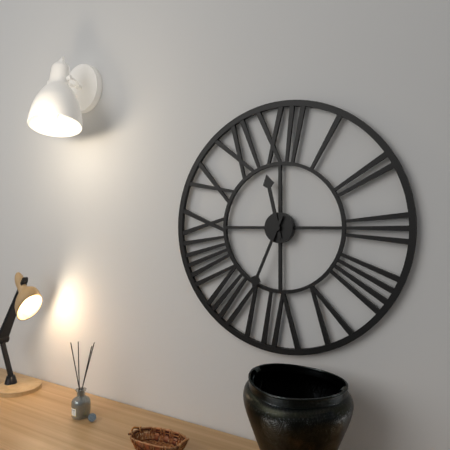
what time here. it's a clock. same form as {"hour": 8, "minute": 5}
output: {"hour": 11, "minute": 34}
